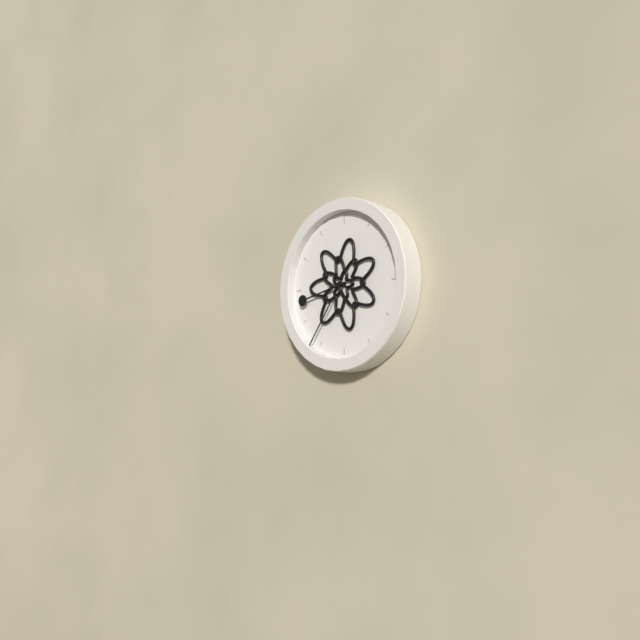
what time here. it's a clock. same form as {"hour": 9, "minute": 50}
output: {"hour": 8, "minute": 36}
